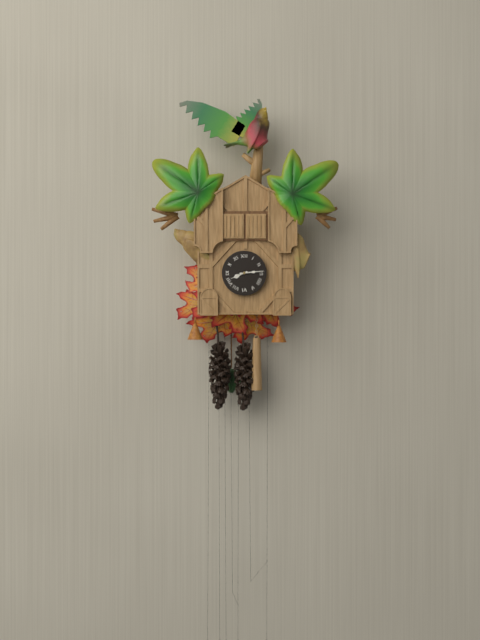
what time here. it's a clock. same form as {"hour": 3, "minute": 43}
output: {"hour": 8, "minute": 14}
